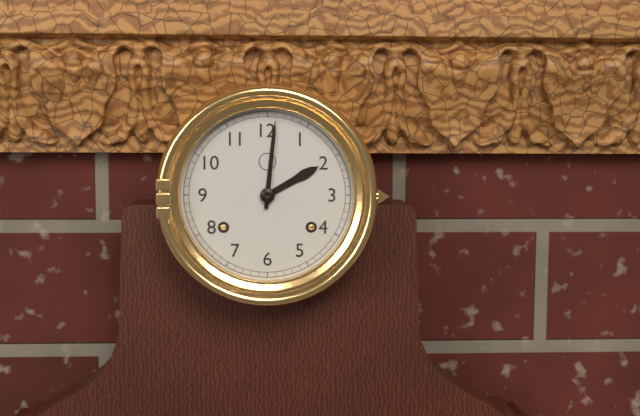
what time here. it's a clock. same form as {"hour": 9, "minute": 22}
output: {"hour": 2, "minute": 1}
